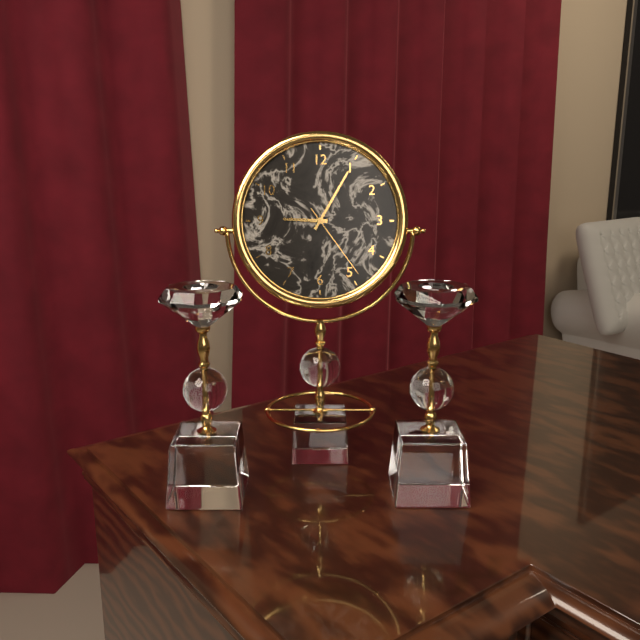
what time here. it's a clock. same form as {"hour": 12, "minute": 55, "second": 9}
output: {"hour": 9, "minute": 5, "second": 24}
